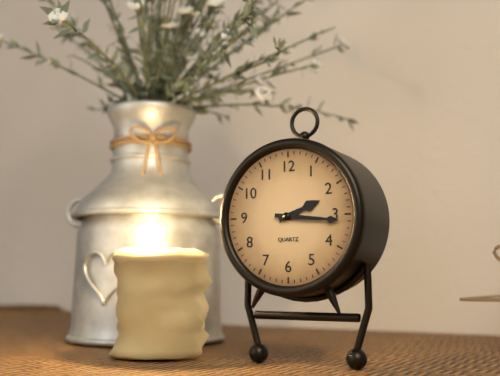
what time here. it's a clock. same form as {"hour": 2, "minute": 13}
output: {"hour": 2, "minute": 16}
